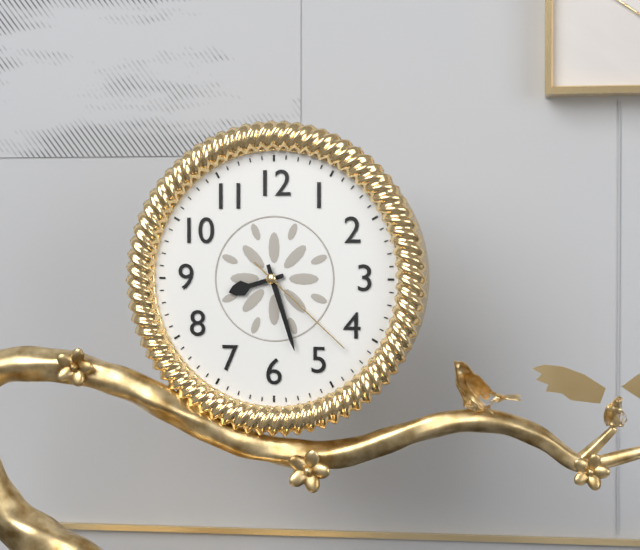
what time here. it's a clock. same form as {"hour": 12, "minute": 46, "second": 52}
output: {"hour": 8, "minute": 27, "second": 22}
